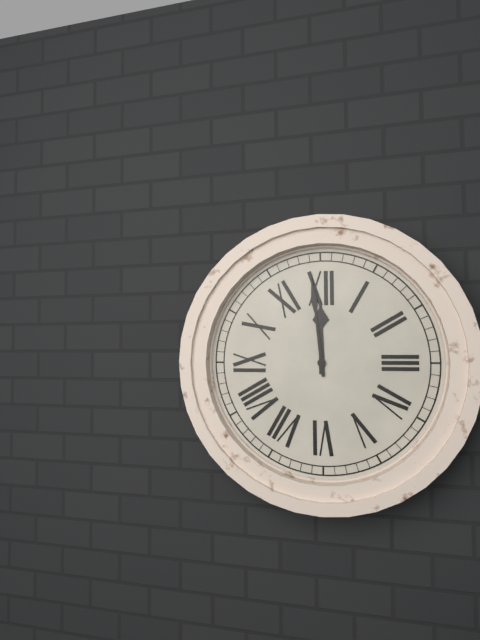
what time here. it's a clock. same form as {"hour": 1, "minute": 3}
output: {"hour": 11, "minute": 59}
